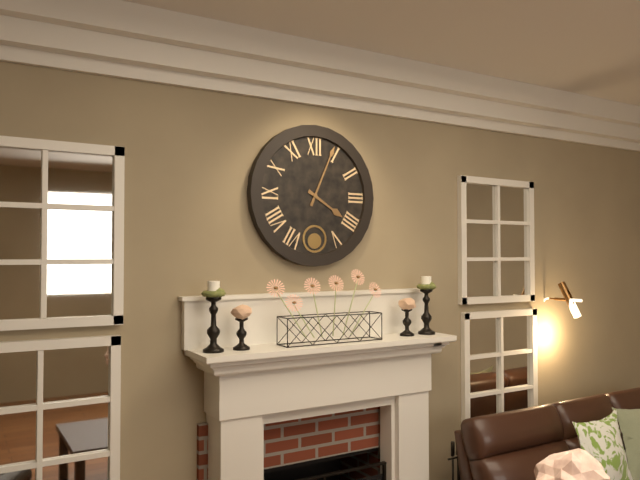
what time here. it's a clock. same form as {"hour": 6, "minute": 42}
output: {"hour": 4, "minute": 4}
